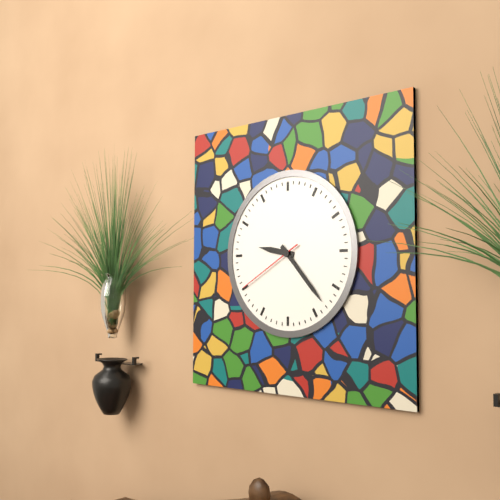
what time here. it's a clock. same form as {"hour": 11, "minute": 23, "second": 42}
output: {"hour": 9, "minute": 23, "second": 40}
